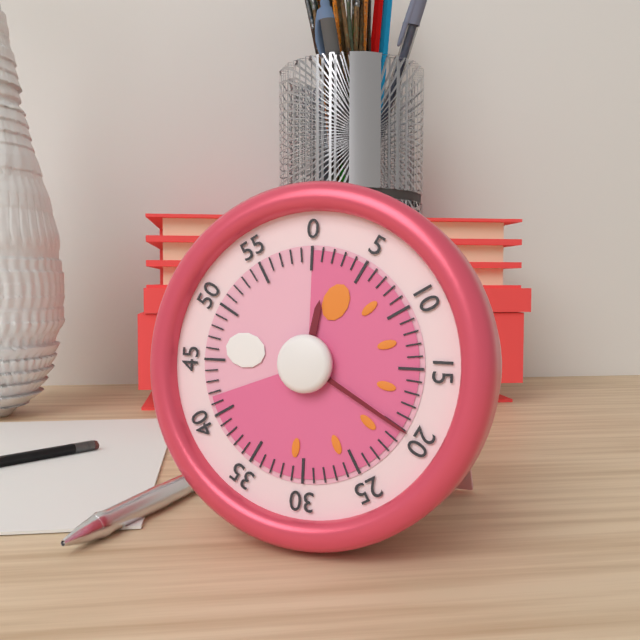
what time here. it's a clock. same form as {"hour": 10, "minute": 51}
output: {"hour": 12, "minute": 20}
